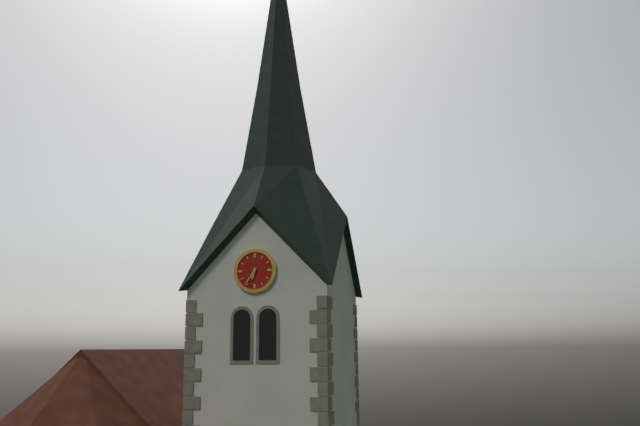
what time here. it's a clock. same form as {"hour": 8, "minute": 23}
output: {"hour": 6, "minute": 36}
